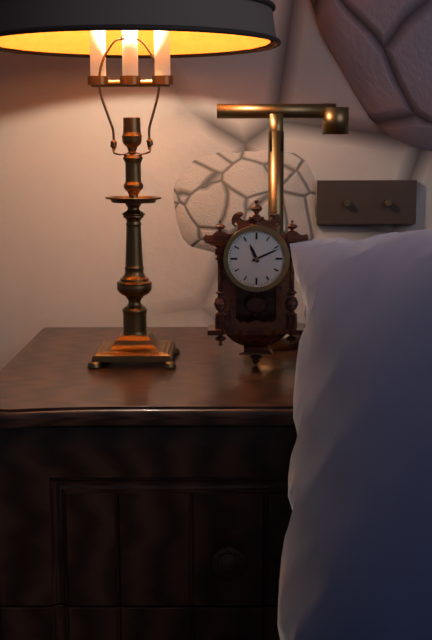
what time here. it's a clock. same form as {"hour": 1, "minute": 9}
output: {"hour": 11, "minute": 11}
